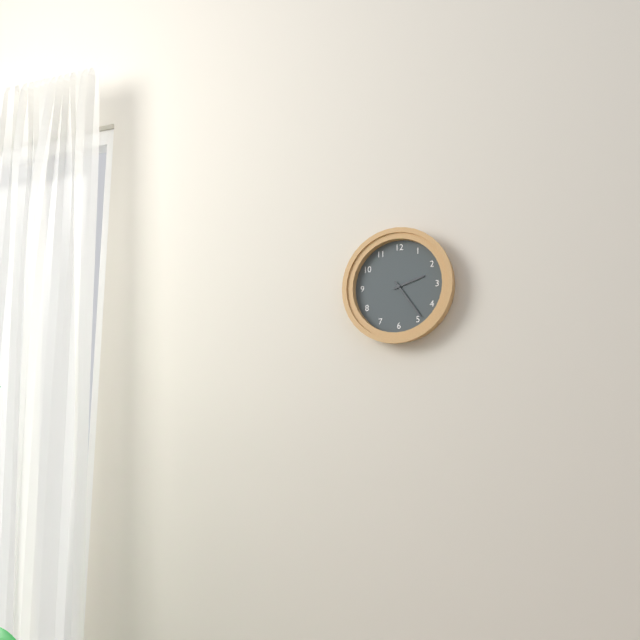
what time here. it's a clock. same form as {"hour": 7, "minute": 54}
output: {"hour": 2, "minute": 24}
